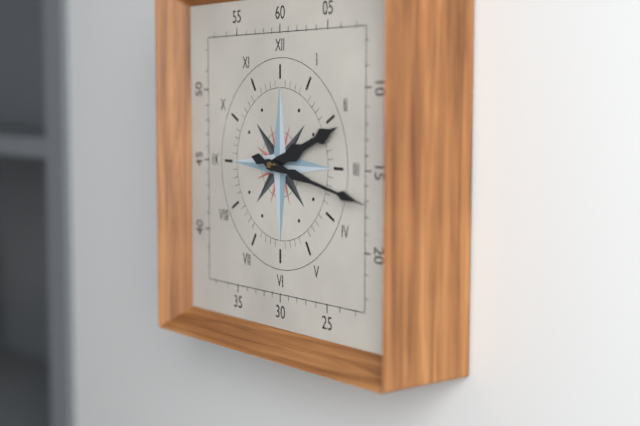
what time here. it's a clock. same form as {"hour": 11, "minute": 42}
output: {"hour": 2, "minute": 17}
